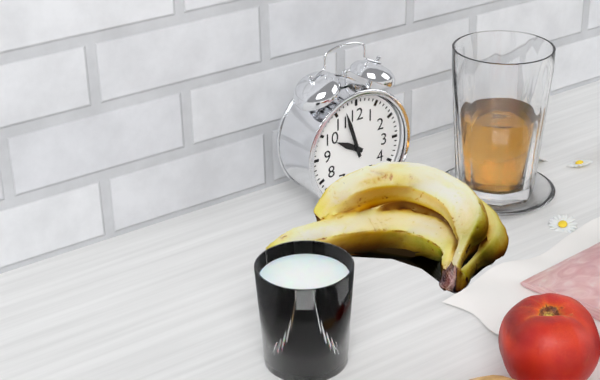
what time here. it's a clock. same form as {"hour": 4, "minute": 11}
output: {"hour": 9, "minute": 57}
